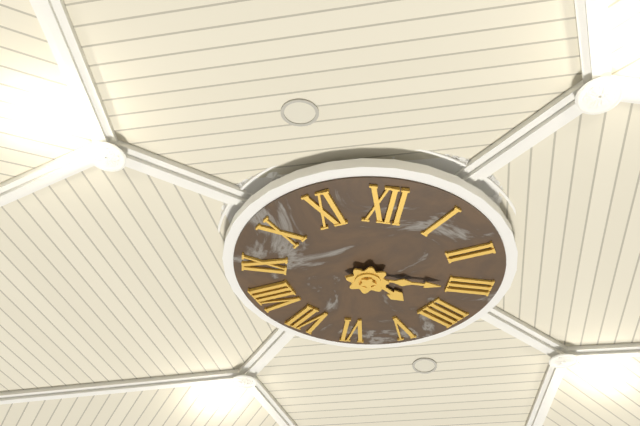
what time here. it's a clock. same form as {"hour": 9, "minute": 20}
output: {"hour": 4, "minute": 15}
